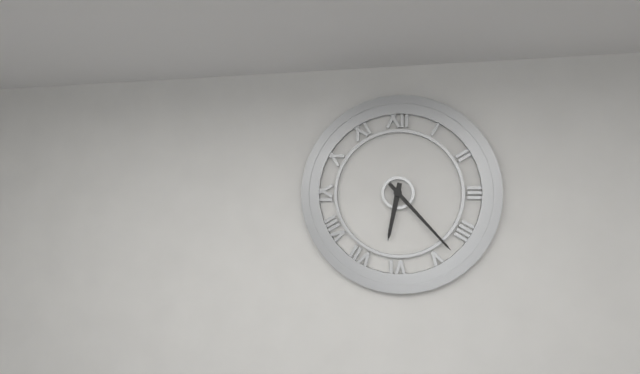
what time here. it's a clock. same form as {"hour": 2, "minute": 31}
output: {"hour": 6, "minute": 23}
